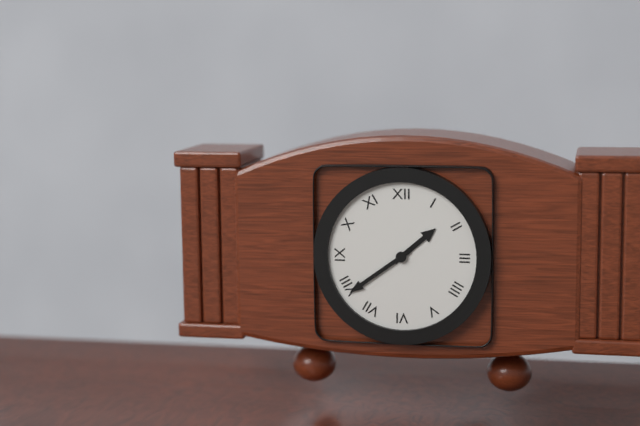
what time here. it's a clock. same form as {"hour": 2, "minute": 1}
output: {"hour": 1, "minute": 39}
